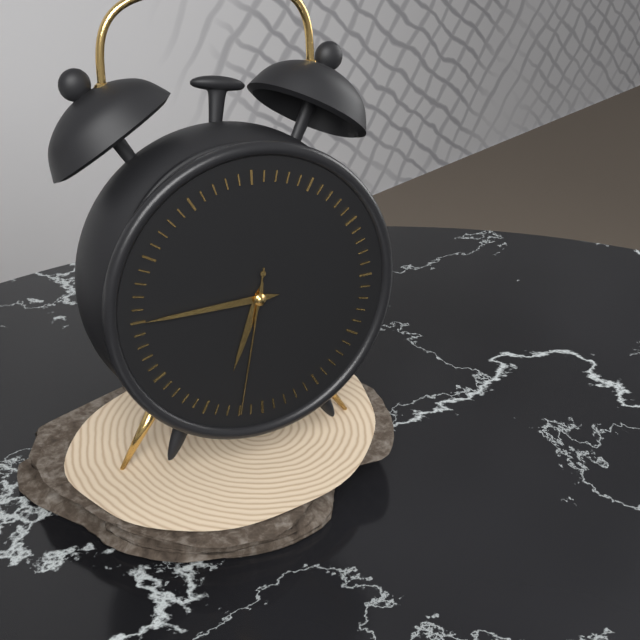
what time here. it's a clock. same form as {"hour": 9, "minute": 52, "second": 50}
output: {"hour": 6, "minute": 45, "second": 32}
